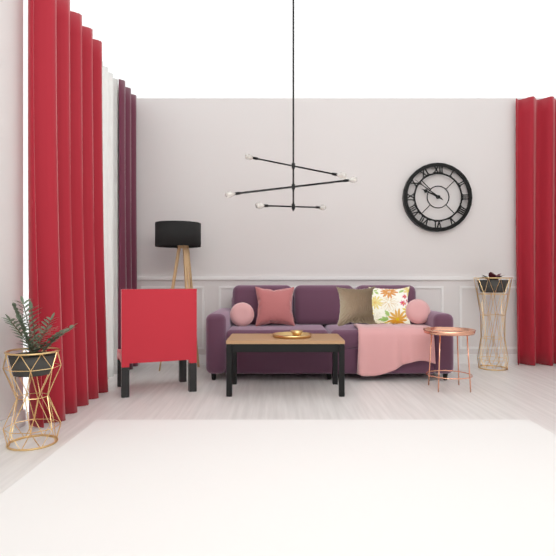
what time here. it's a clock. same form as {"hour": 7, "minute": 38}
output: {"hour": 9, "minute": 51}
